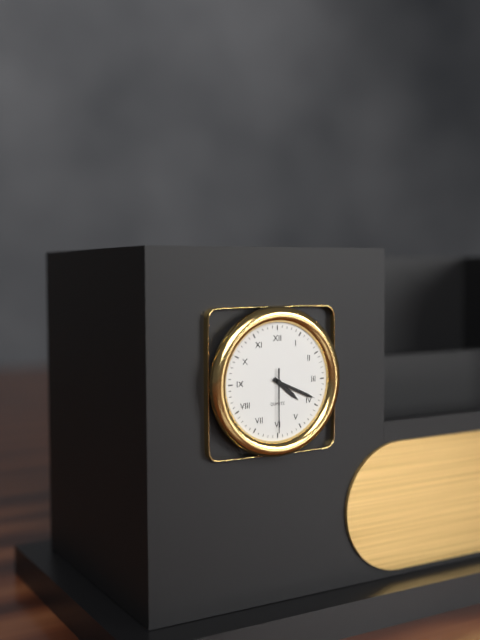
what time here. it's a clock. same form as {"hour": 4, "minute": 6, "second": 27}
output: {"hour": 4, "minute": 19, "second": 30}
